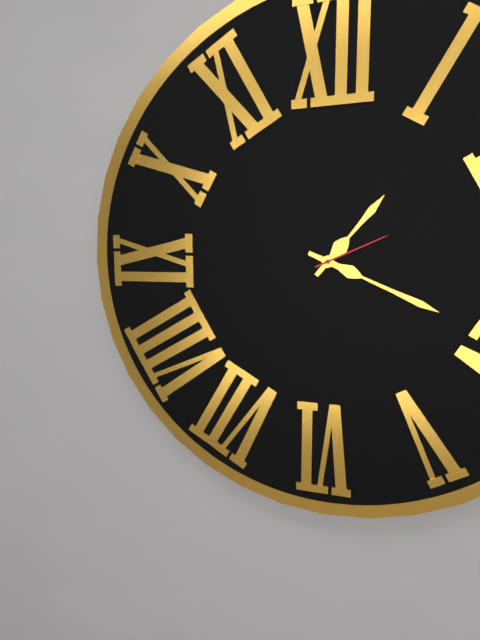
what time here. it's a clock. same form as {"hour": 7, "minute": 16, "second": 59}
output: {"hour": 1, "minute": 19, "second": 11}
